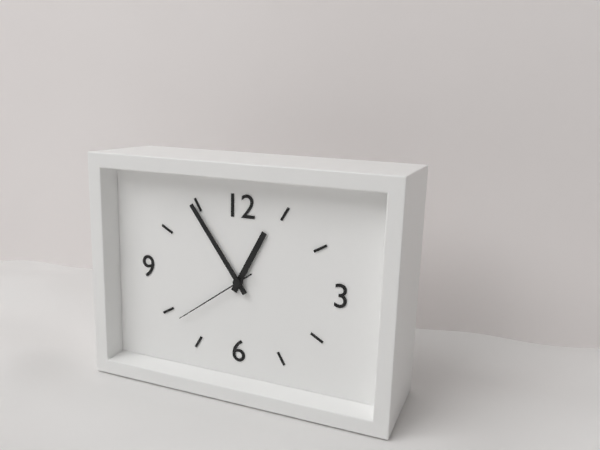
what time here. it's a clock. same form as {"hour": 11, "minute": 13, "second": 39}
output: {"hour": 12, "minute": 54, "second": 39}
